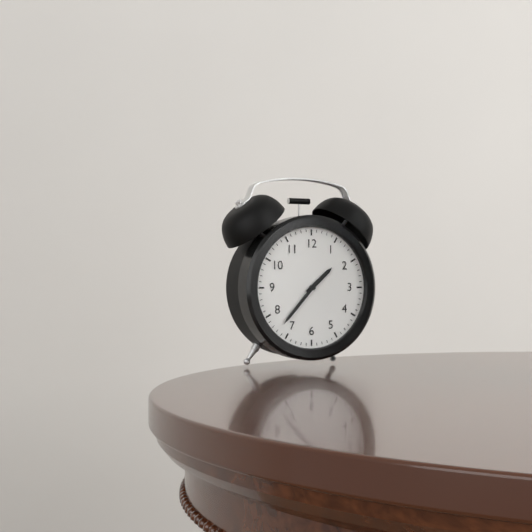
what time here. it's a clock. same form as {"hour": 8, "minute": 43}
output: {"hour": 1, "minute": 37}
